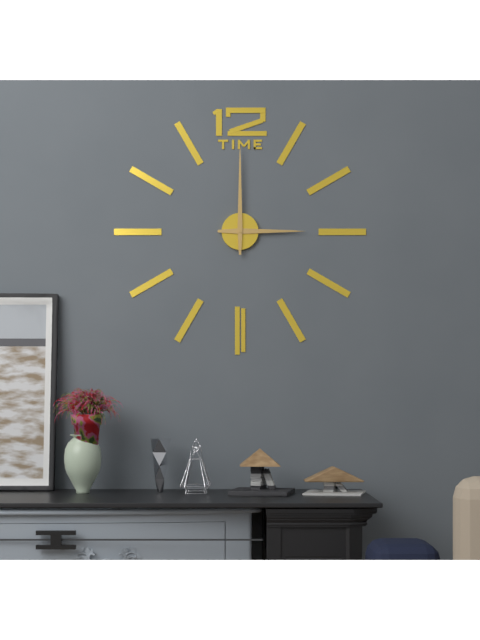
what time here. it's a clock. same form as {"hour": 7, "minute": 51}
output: {"hour": 3, "minute": 0}
